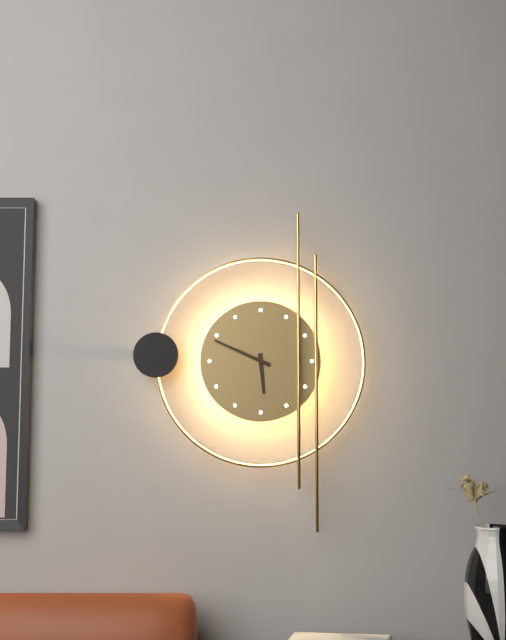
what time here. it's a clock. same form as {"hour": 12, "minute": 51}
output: {"hour": 5, "minute": 49}
